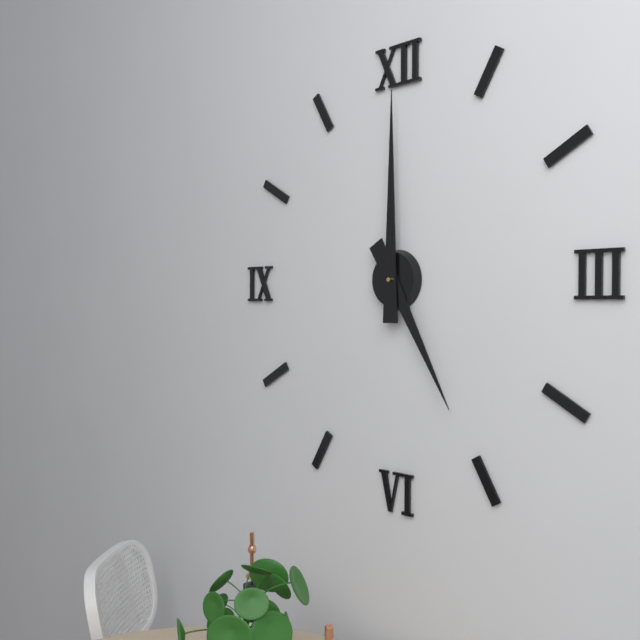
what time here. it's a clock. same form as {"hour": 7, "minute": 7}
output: {"hour": 5, "minute": 0}
